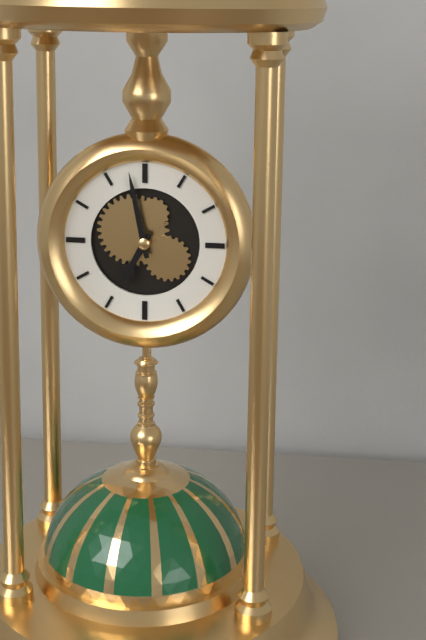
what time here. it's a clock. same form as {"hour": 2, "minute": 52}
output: {"hour": 6, "minute": 58}
